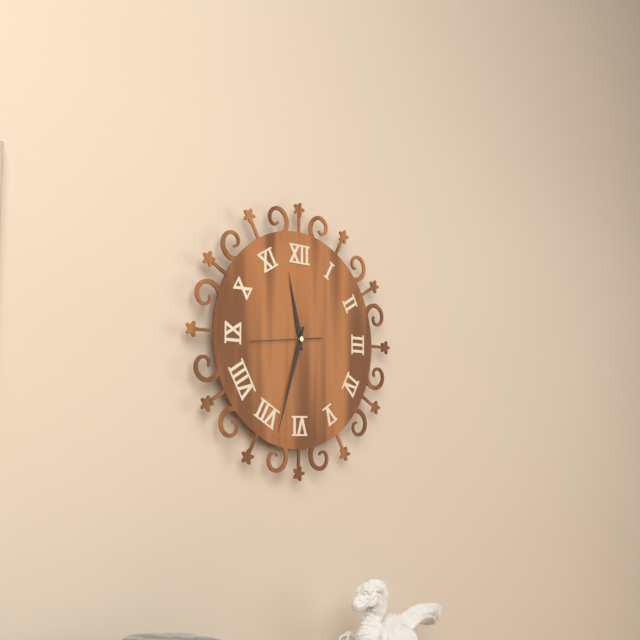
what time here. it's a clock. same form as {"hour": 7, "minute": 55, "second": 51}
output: {"hour": 11, "minute": 33, "second": 44}
